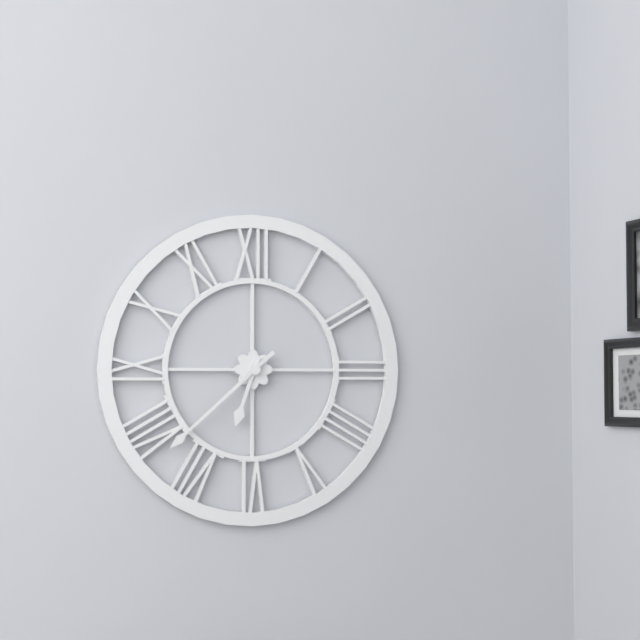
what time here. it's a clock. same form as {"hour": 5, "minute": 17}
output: {"hour": 6, "minute": 38}
